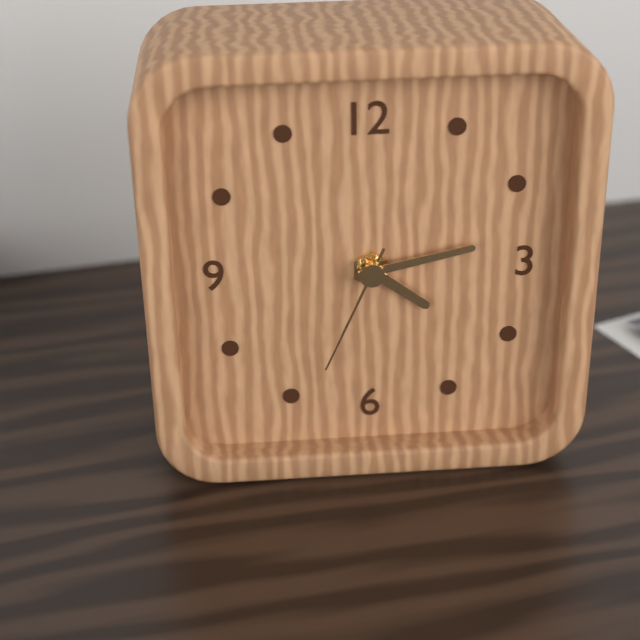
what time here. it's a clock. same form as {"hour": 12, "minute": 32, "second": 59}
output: {"hour": 4, "minute": 13, "second": 34}
